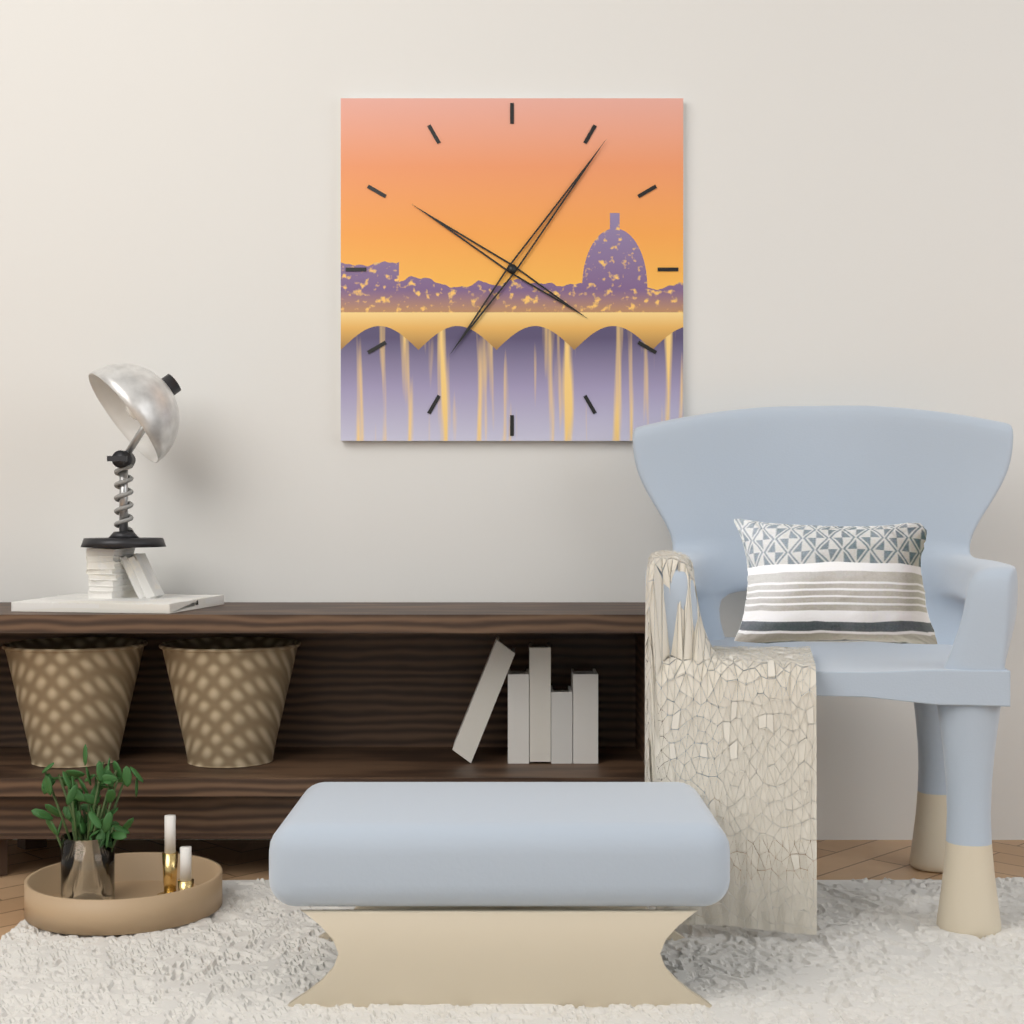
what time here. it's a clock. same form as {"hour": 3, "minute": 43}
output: {"hour": 10, "minute": 6}
